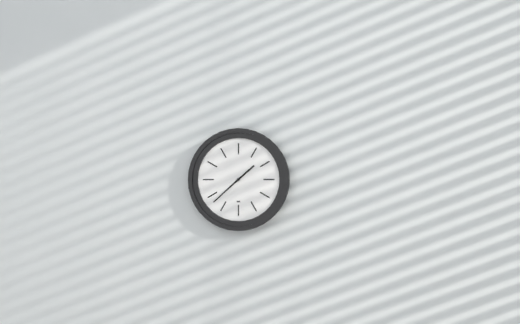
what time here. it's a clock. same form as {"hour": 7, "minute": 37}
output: {"hour": 1, "minute": 38}
